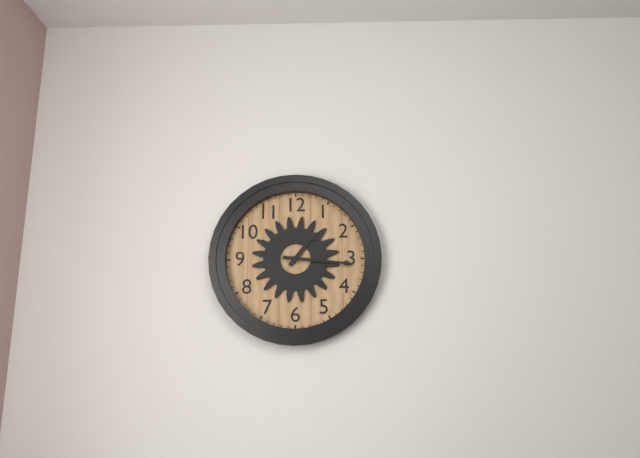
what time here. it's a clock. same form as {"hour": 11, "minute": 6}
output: {"hour": 1, "minute": 16}
